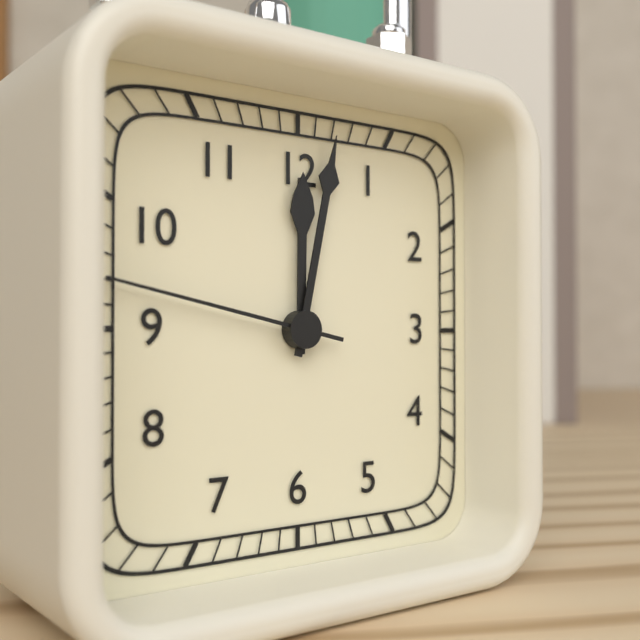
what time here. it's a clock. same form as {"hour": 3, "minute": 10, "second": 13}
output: {"hour": 12, "minute": 2, "second": 47}
